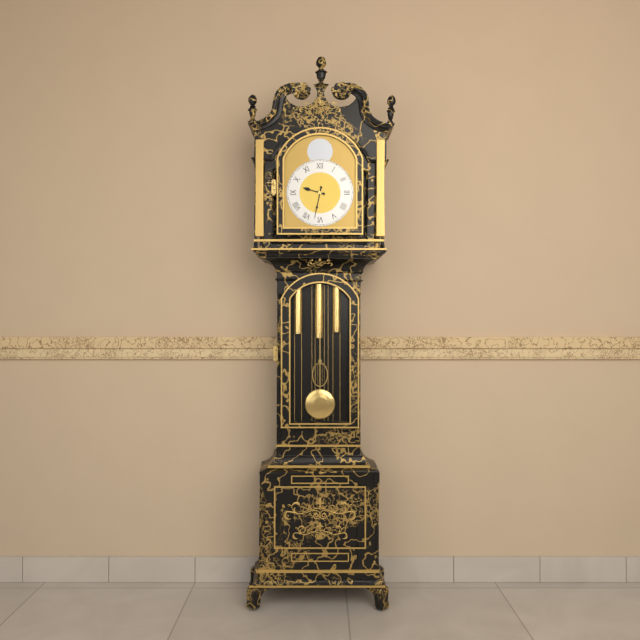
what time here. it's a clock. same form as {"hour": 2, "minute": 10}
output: {"hour": 9, "minute": 32}
